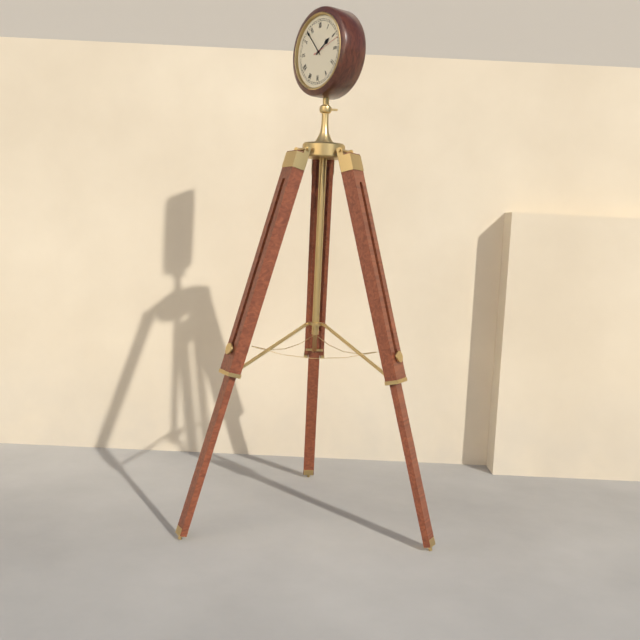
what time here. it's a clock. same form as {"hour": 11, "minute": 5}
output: {"hour": 1, "minute": 53}
